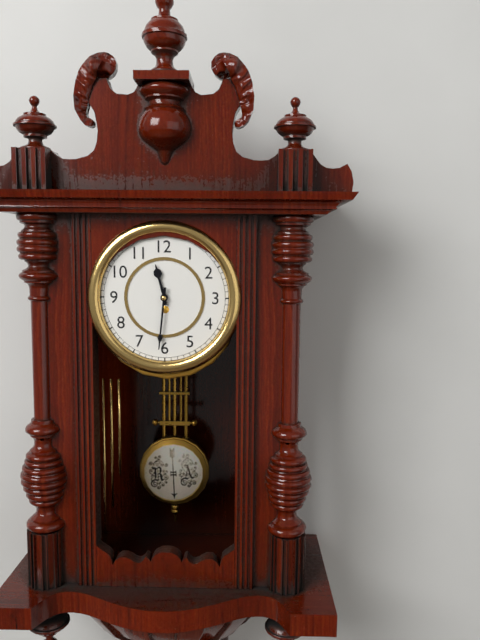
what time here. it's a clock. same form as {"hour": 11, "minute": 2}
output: {"hour": 11, "minute": 31}
